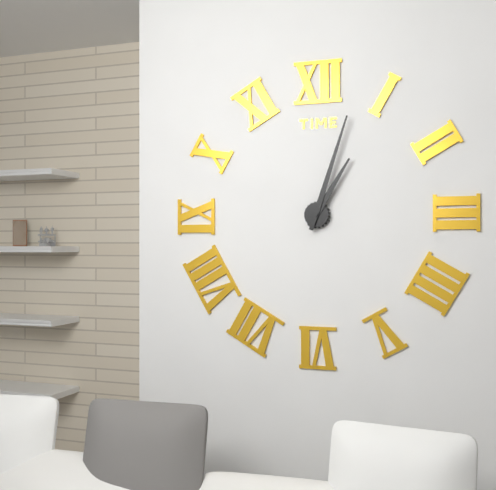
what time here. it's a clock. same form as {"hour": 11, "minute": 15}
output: {"hour": 1, "minute": 3}
